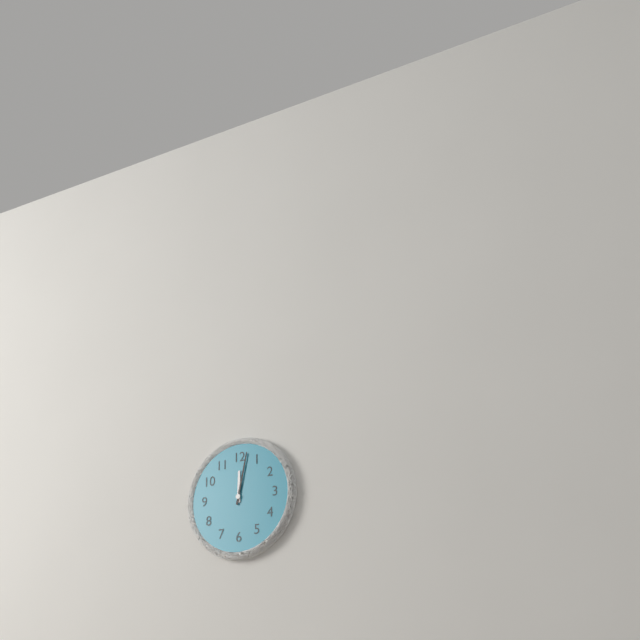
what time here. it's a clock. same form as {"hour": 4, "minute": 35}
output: {"hour": 12, "minute": 2}
